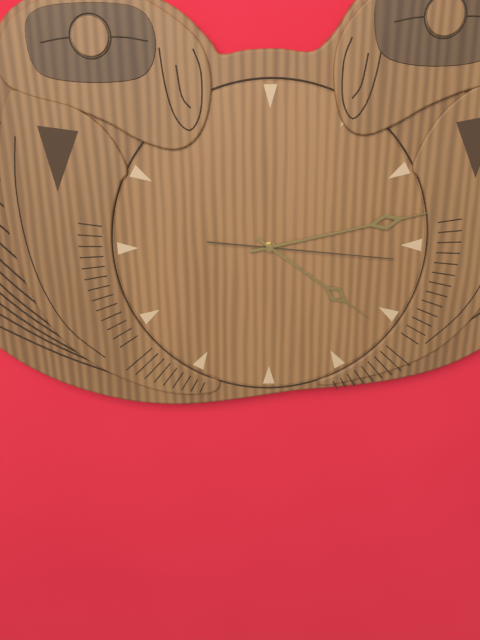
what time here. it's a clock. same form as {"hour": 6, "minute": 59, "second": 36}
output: {"hour": 4, "minute": 13, "second": 16}
